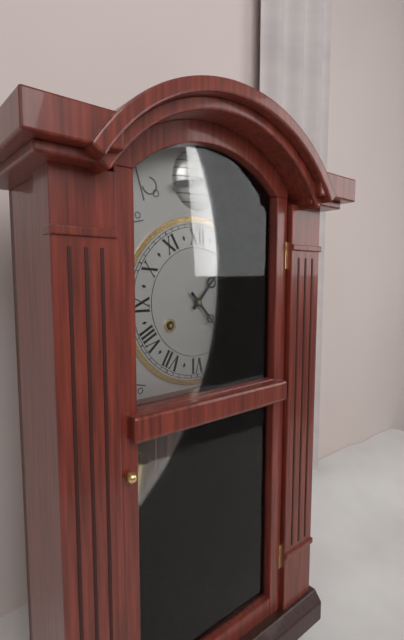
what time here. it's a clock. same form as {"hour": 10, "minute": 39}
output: {"hour": 1, "minute": 23}
